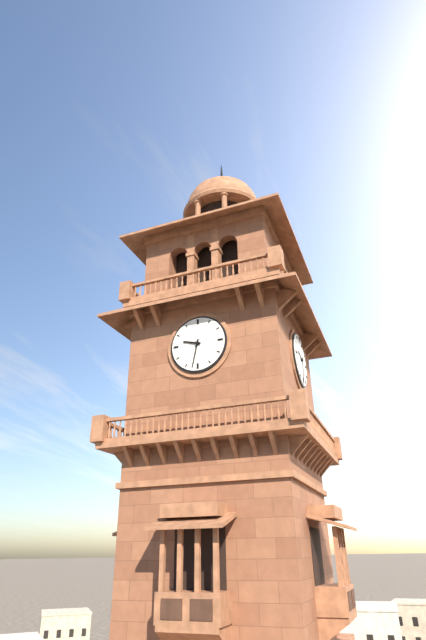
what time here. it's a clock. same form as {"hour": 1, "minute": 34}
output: {"hour": 9, "minute": 32}
